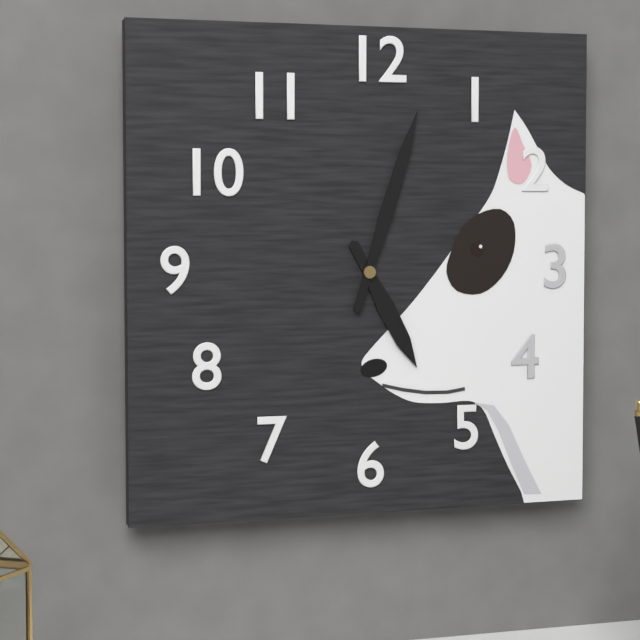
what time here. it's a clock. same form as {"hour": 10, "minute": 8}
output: {"hour": 5, "minute": 3}
